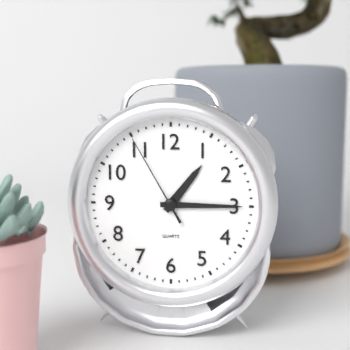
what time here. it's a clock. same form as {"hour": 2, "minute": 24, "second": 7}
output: {"hour": 1, "minute": 15, "second": 55}
